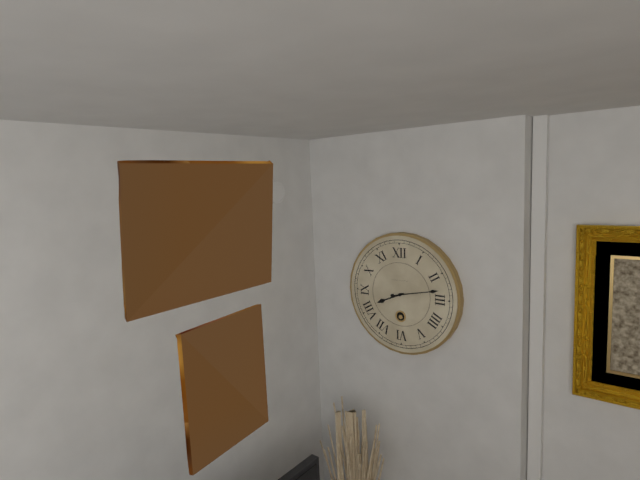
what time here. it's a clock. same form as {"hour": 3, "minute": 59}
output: {"hour": 8, "minute": 13}
